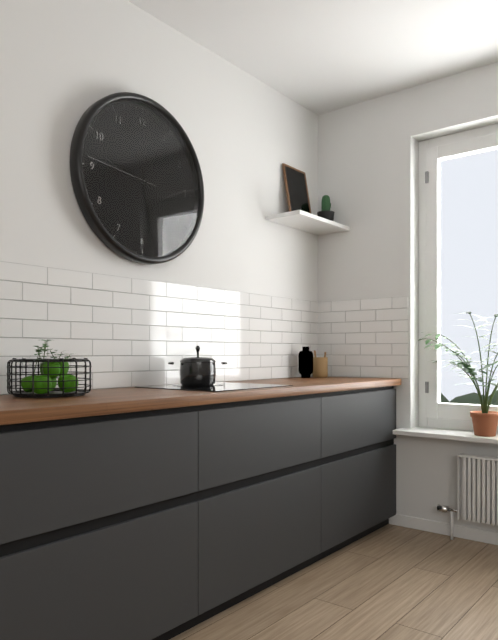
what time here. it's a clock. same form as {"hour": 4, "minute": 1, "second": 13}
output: {"hour": 9, "minute": 28, "second": 46}
